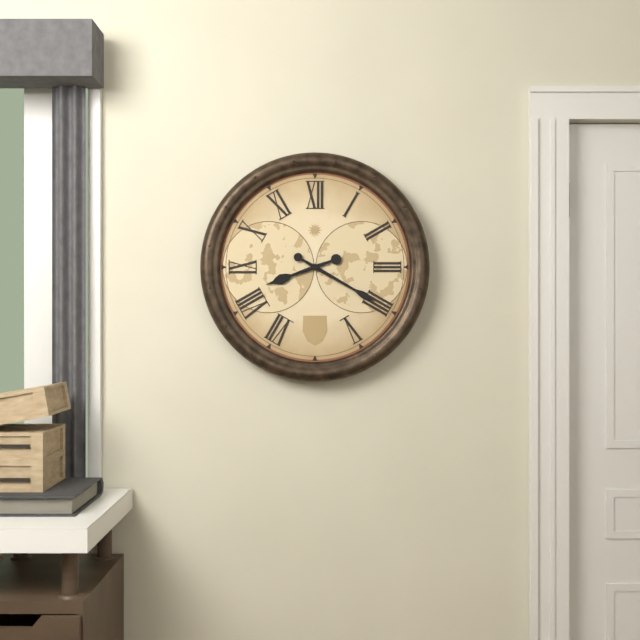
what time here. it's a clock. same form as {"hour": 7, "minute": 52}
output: {"hour": 8, "minute": 20}
